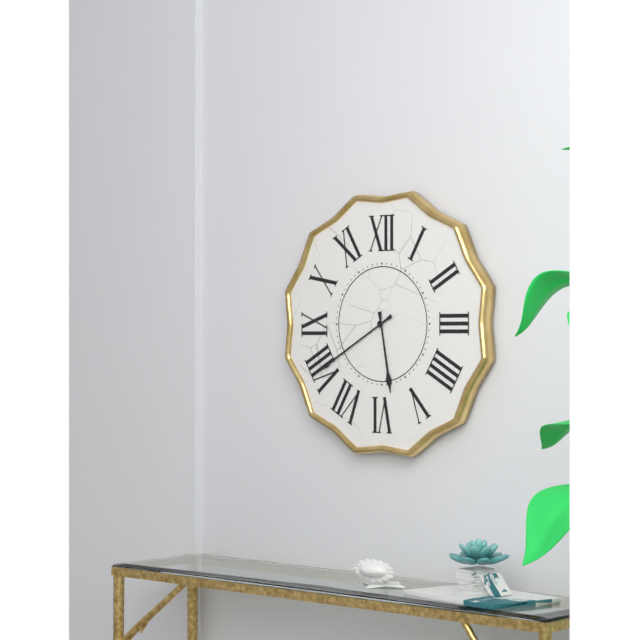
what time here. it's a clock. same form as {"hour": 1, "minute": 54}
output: {"hour": 5, "minute": 40}
